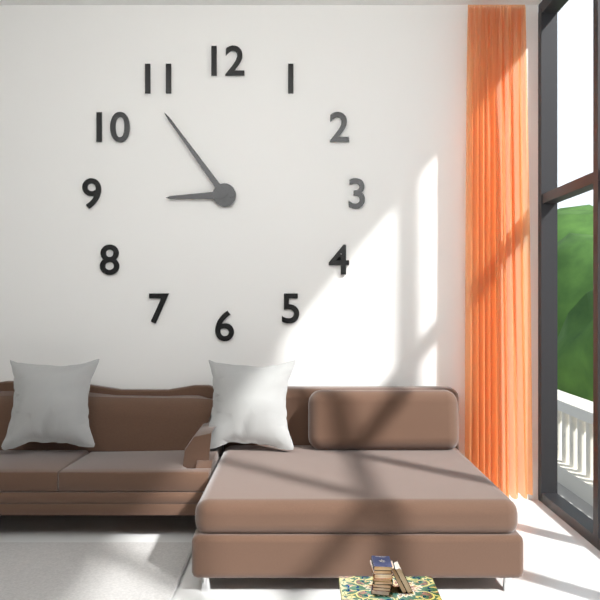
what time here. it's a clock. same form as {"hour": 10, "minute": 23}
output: {"hour": 8, "minute": 54}
